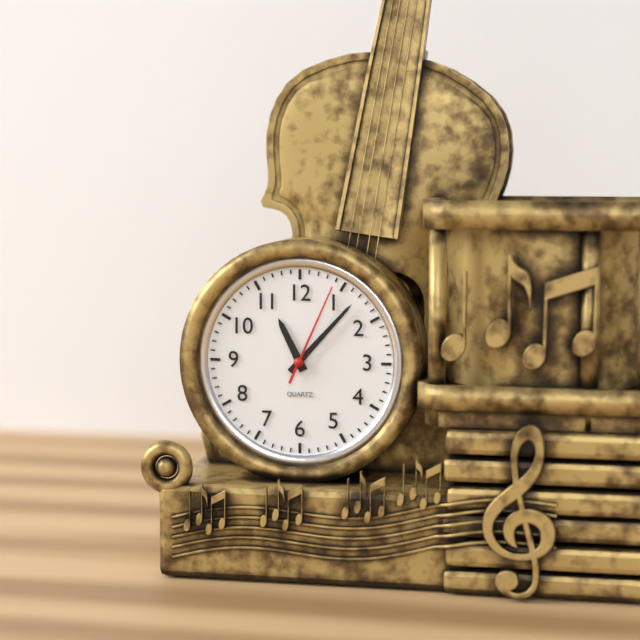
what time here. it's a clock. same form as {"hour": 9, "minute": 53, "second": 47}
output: {"hour": 11, "minute": 7, "second": 4}
